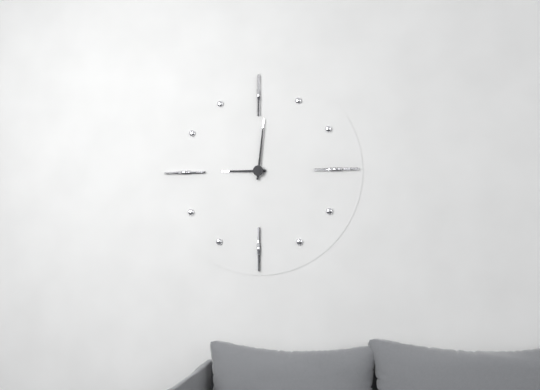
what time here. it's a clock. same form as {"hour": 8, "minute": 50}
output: {"hour": 9, "minute": 1}
